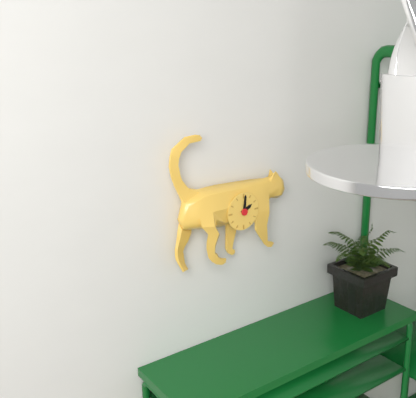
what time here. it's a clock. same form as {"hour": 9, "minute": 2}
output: {"hour": 2, "minute": 1}
